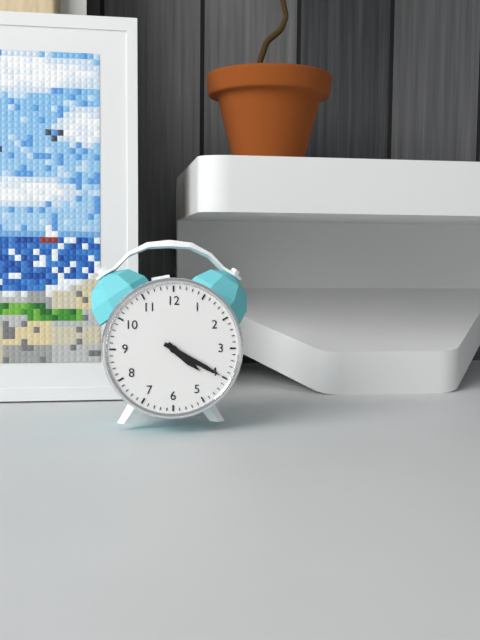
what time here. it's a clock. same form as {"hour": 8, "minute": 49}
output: {"hour": 4, "minute": 20}
